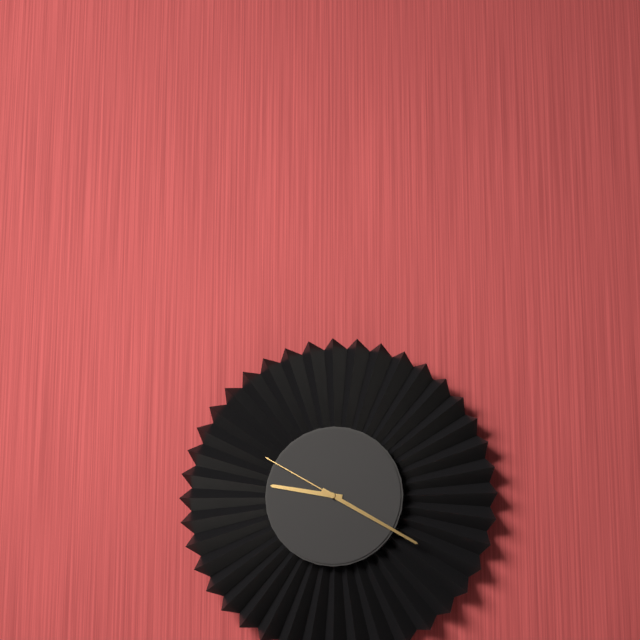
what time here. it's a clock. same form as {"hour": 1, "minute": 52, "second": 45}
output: {"hour": 9, "minute": 20, "second": 50}
